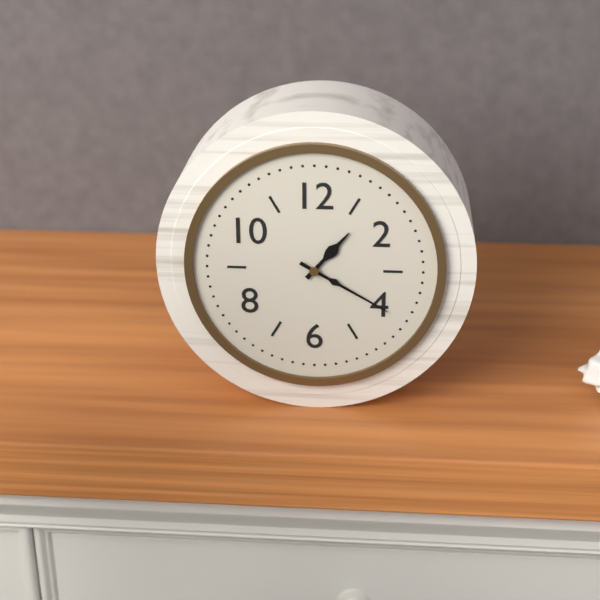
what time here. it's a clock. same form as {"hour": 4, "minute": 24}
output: {"hour": 1, "minute": 20}
